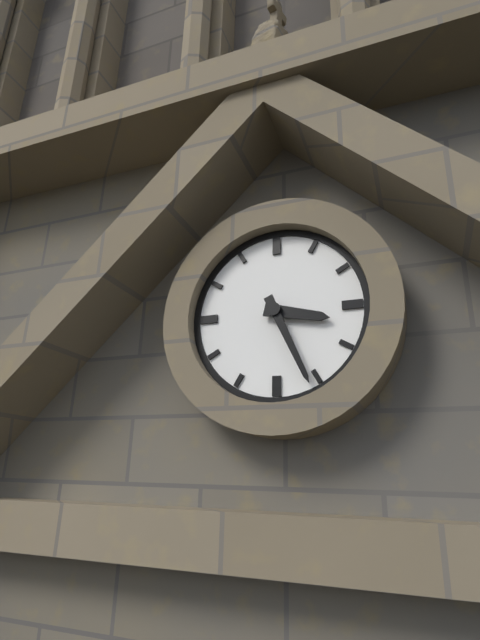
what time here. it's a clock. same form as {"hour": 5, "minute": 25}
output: {"hour": 3, "minute": 26}
